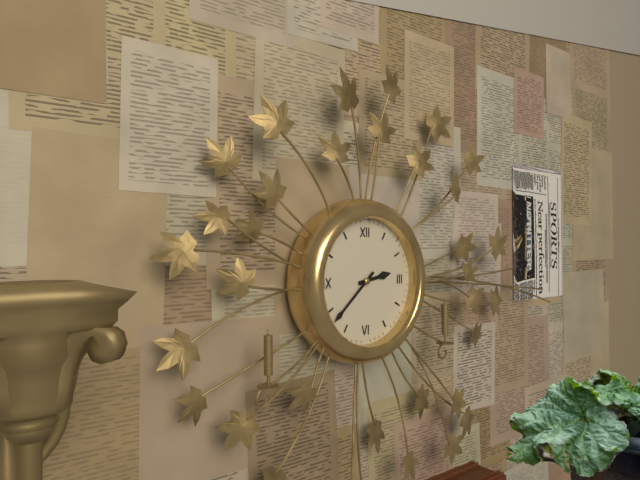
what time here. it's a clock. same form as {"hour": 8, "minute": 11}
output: {"hour": 2, "minute": 38}
